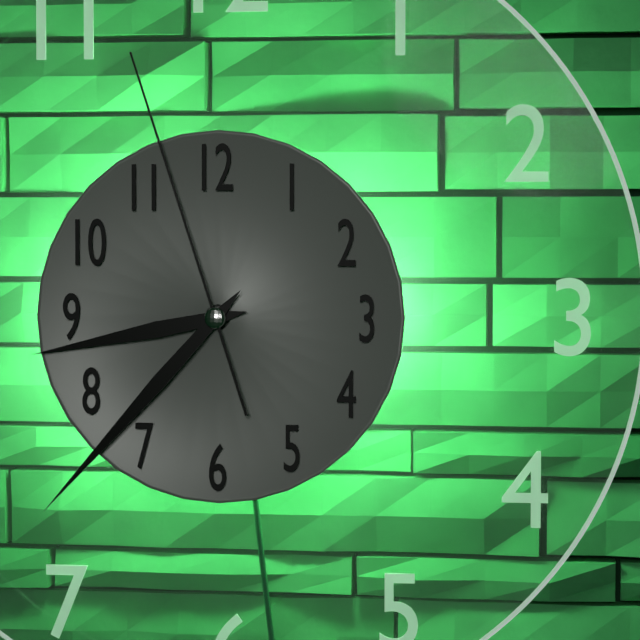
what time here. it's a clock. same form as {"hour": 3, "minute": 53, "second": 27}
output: {"hour": 8, "minute": 37, "second": 57}
